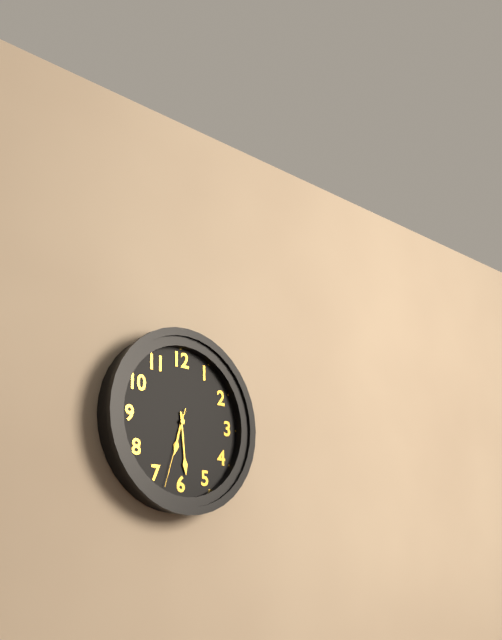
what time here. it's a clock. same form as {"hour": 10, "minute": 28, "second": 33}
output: {"hour": 6, "minute": 29, "second": 33}
